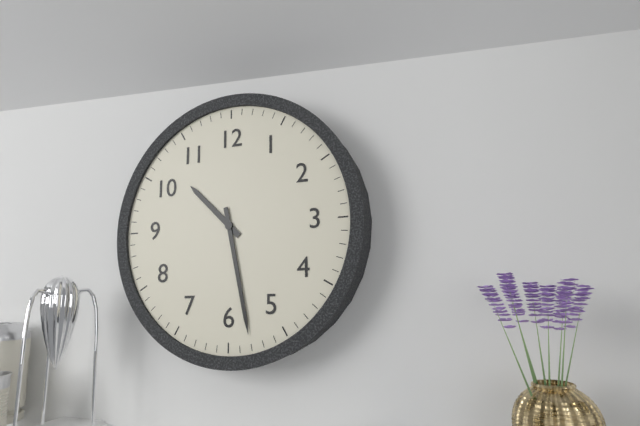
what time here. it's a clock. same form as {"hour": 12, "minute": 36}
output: {"hour": 10, "minute": 28}
